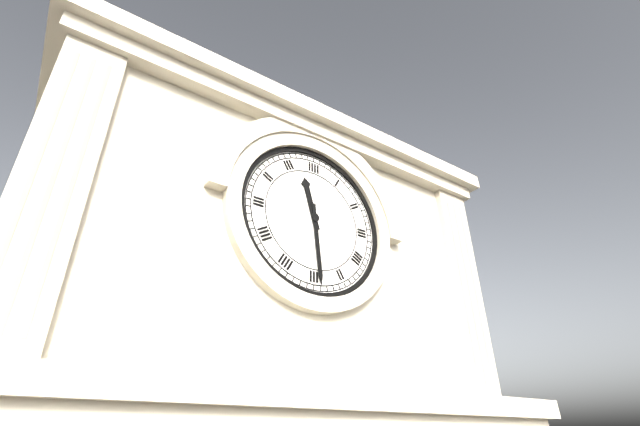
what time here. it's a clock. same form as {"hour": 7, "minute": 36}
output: {"hour": 11, "minute": 29}
